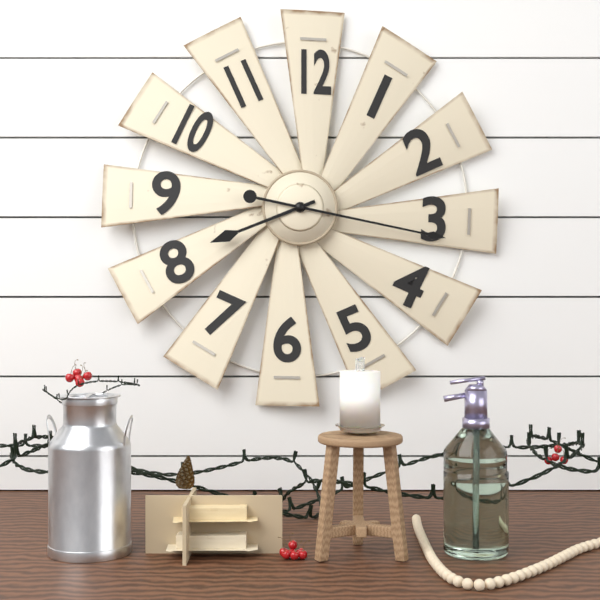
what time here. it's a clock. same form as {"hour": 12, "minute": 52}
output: {"hour": 8, "minute": 17}
